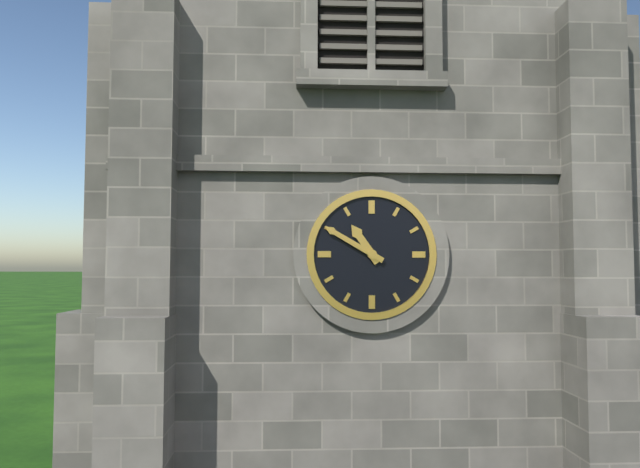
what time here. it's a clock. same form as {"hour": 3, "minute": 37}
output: {"hour": 10, "minute": 50}
